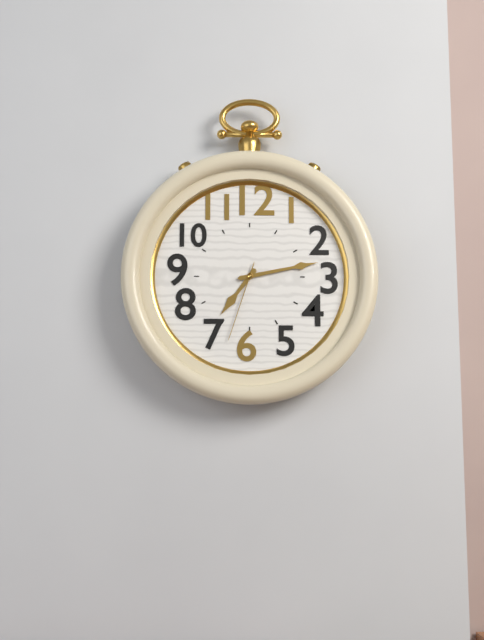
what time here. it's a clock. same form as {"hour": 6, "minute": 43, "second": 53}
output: {"hour": 7, "minute": 13, "second": 33}
